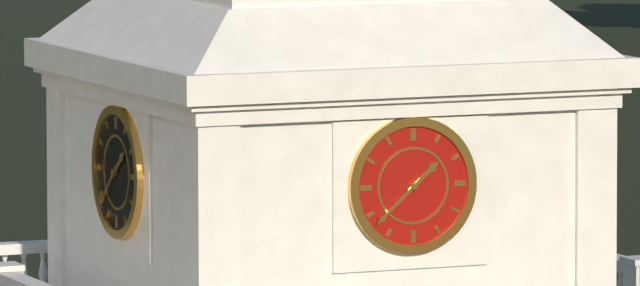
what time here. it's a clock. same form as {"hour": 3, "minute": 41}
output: {"hour": 1, "minute": 38}
